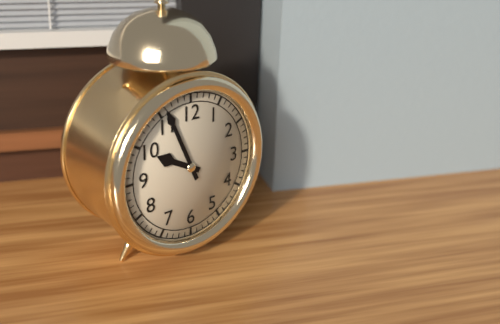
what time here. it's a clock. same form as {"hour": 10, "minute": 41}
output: {"hour": 9, "minute": 56}
